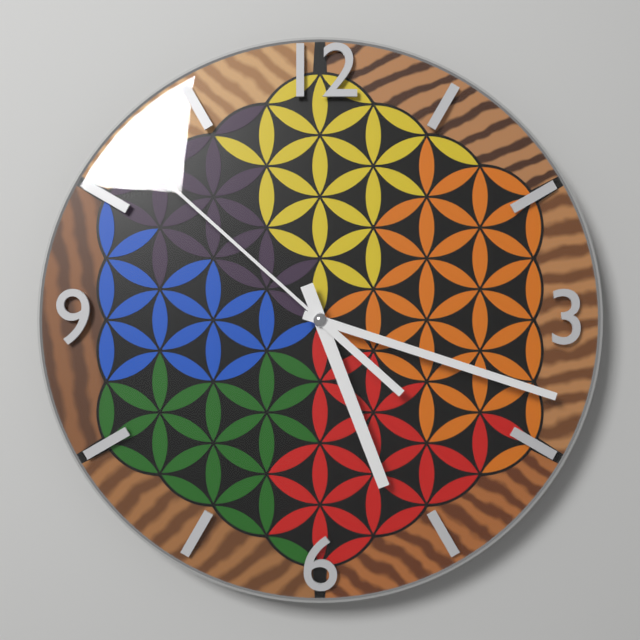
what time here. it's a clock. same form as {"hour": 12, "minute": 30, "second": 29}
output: {"hour": 5, "minute": 18, "second": 52}
